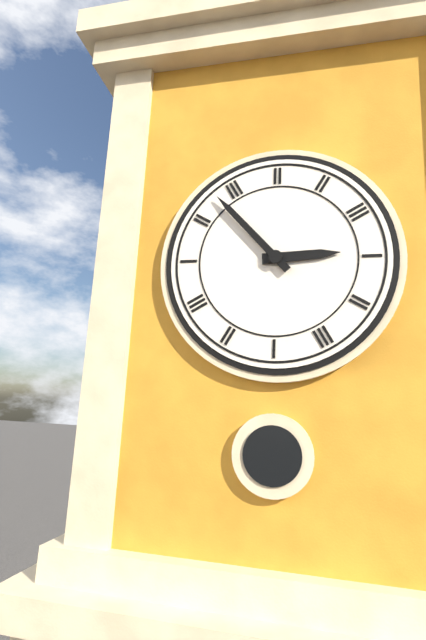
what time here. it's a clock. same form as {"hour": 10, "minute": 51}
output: {"hour": 2, "minute": 53}
